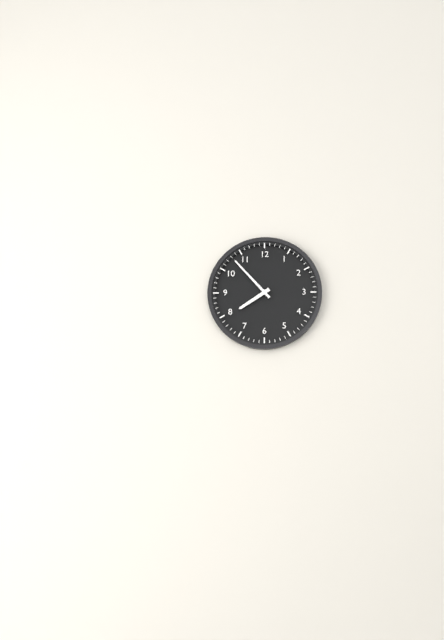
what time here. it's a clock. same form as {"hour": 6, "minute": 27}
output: {"hour": 7, "minute": 53}
